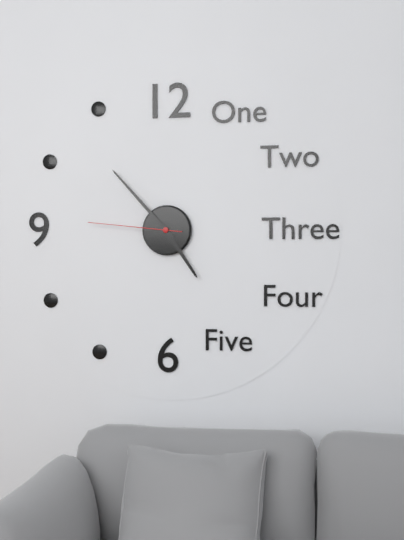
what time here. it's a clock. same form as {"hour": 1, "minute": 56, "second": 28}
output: {"hour": 4, "minute": 53, "second": 46}
